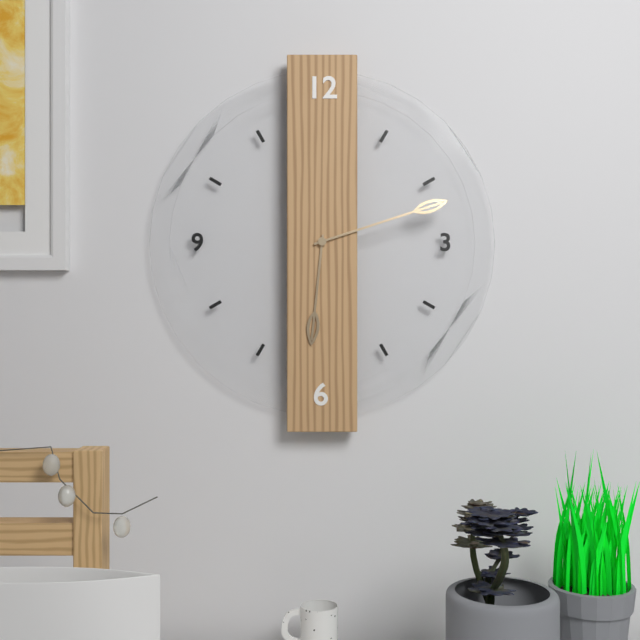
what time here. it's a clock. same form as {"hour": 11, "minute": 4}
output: {"hour": 6, "minute": 12}
